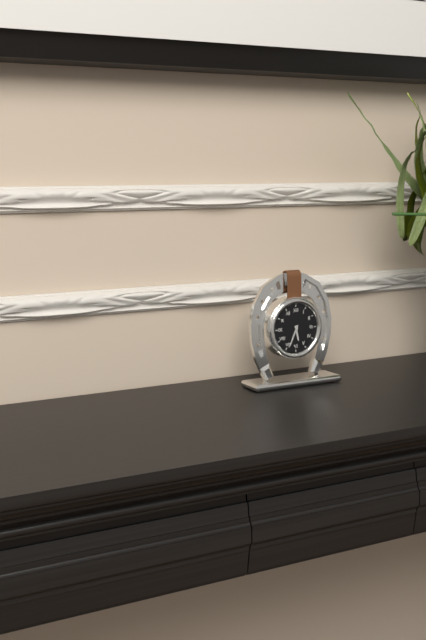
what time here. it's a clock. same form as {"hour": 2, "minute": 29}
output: {"hour": 5, "minute": 34}
